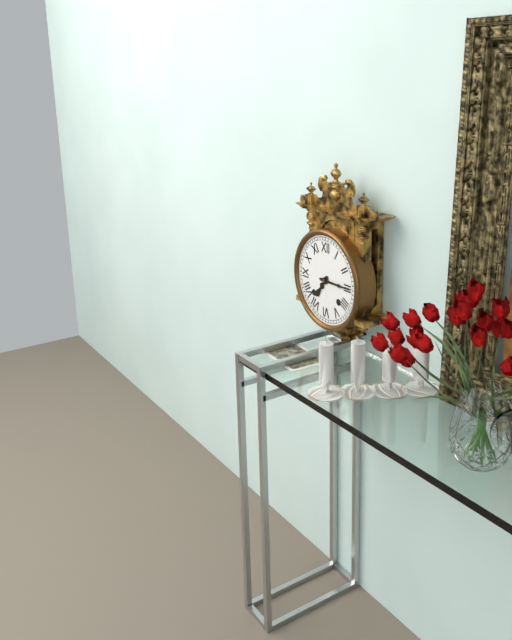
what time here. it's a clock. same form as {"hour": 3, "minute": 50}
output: {"hour": 7, "minute": 15}
